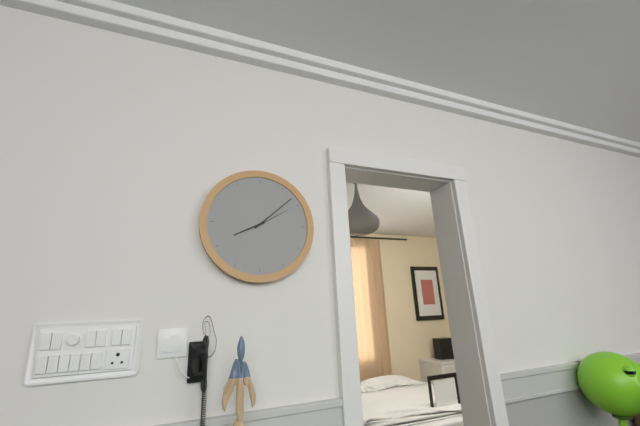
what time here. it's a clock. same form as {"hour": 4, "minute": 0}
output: {"hour": 8, "minute": 8}
